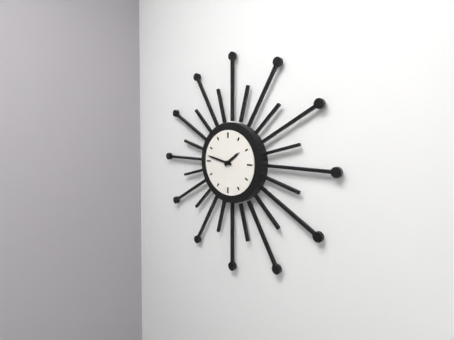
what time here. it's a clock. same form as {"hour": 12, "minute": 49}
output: {"hour": 1, "minute": 47}
